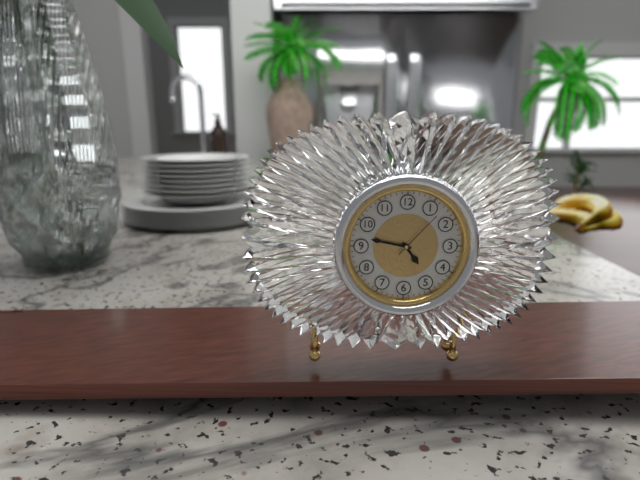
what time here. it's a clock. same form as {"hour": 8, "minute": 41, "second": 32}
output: {"hour": 4, "minute": 47, "second": 7}
